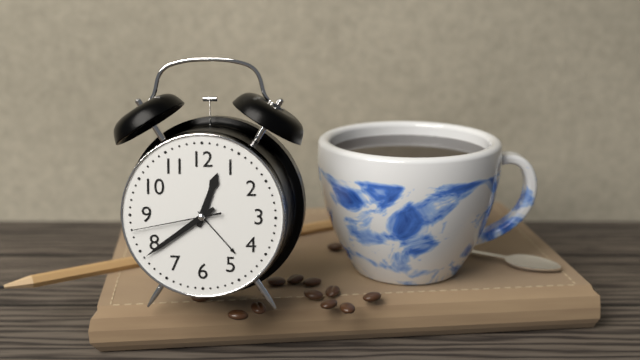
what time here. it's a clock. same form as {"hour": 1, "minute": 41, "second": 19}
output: {"hour": 12, "minute": 39, "second": 43}
